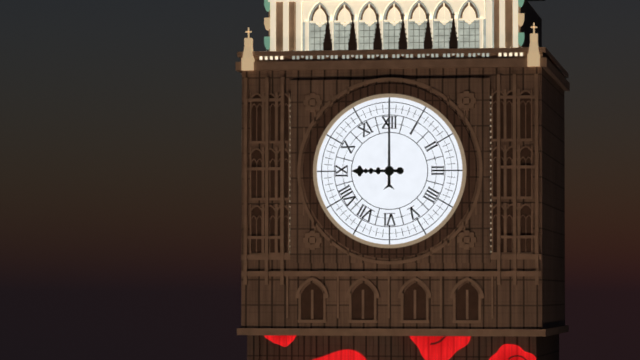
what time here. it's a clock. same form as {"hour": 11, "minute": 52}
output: {"hour": 9, "minute": 0}
